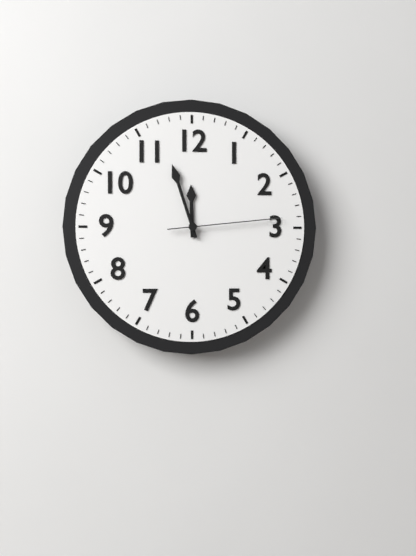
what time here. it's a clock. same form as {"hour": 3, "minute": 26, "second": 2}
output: {"hour": 11, "minute": 57, "second": 14}
